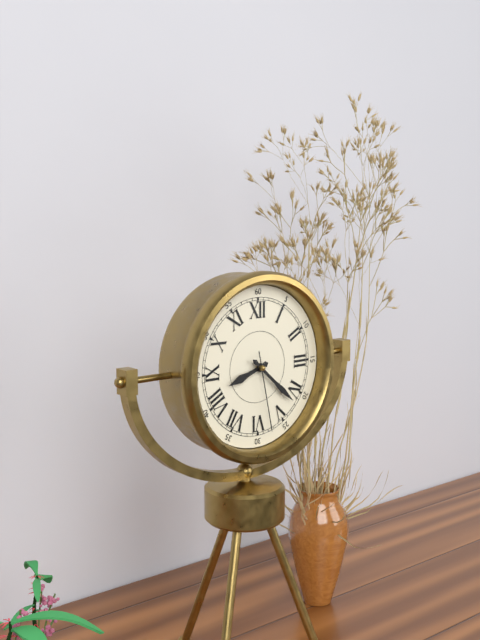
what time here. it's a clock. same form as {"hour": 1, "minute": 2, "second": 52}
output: {"hour": 8, "minute": 22, "second": 28}
